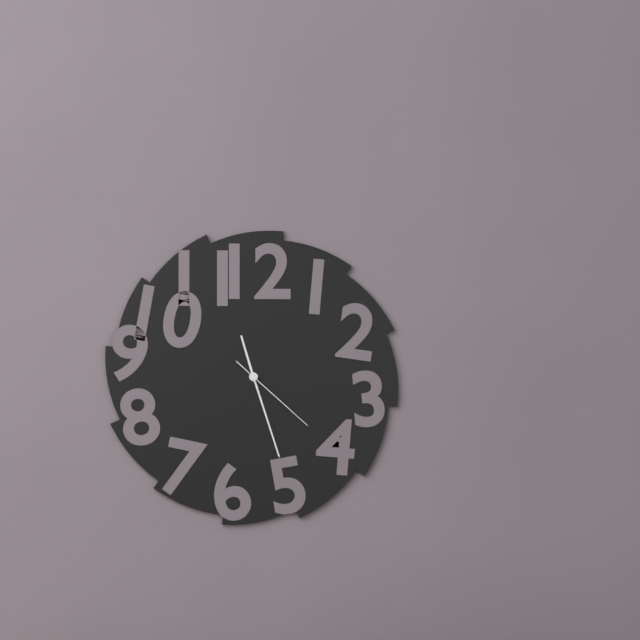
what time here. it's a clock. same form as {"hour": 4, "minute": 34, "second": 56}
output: {"hour": 11, "minute": 27, "second": 22}
